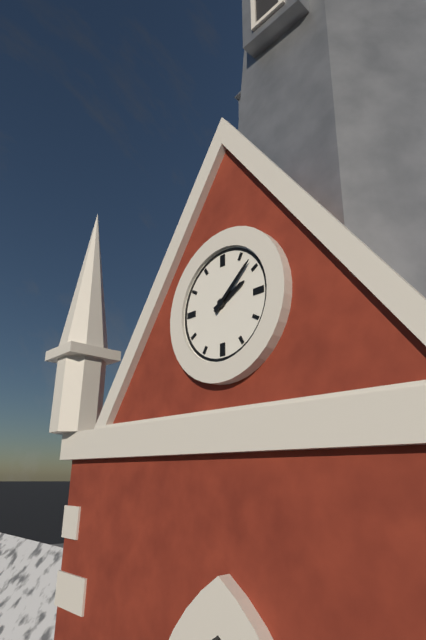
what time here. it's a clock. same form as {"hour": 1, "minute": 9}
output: {"hour": 2, "minute": 8}
